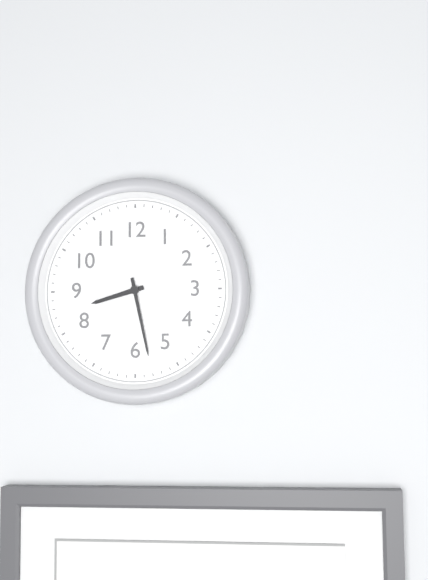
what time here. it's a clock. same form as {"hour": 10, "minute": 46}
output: {"hour": 8, "minute": 28}
